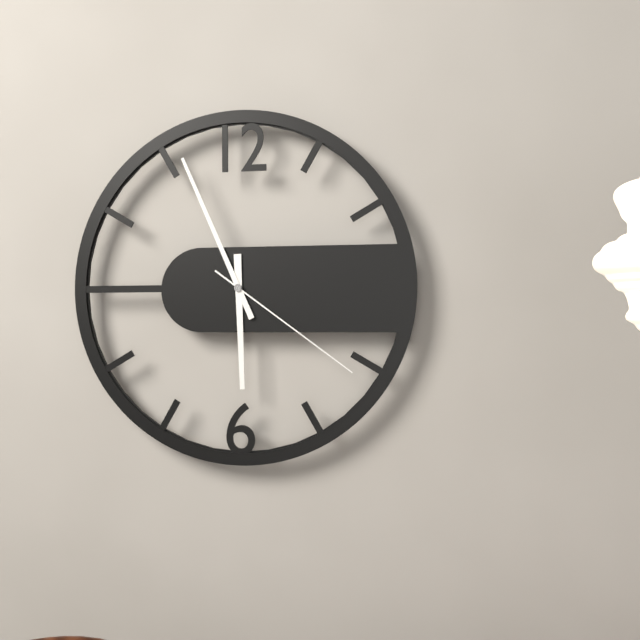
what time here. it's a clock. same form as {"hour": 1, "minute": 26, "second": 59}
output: {"hour": 5, "minute": 56, "second": 21}
